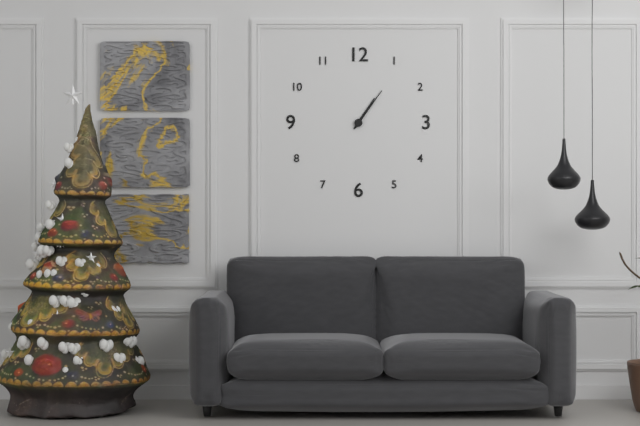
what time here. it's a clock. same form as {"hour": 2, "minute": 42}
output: {"hour": 1, "minute": 6}
